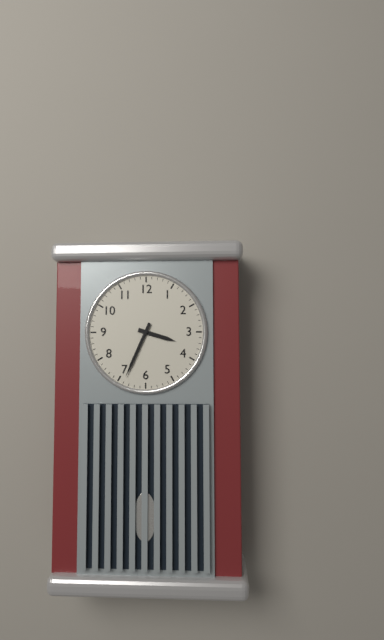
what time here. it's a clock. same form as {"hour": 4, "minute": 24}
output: {"hour": 3, "minute": 34}
